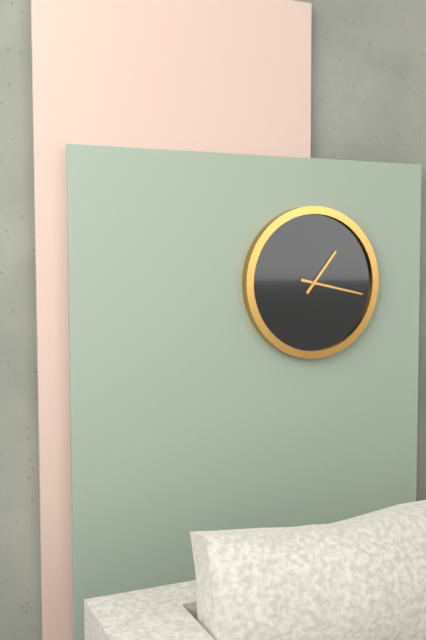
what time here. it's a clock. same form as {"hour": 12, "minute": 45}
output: {"hour": 1, "minute": 17}
